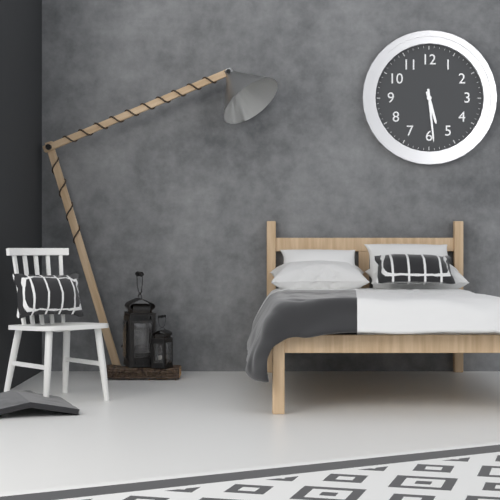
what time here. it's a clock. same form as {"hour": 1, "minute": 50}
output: {"hour": 5, "minute": 29}
